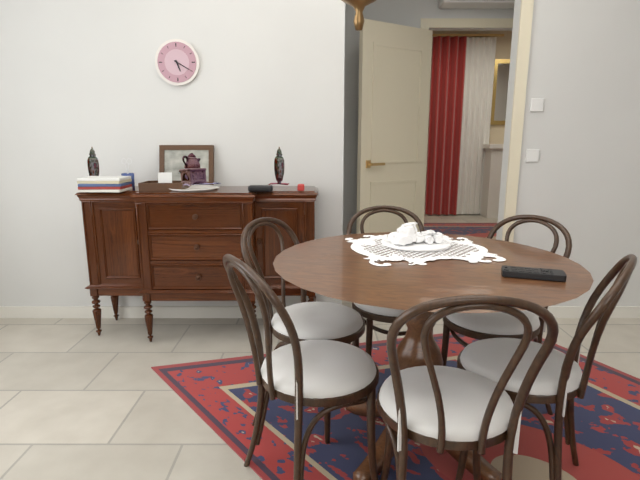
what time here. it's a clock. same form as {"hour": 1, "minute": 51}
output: {"hour": 5, "minute": 20}
